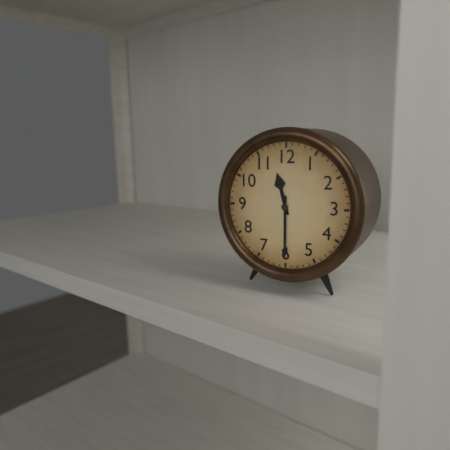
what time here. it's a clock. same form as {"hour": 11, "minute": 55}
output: {"hour": 11, "minute": 30}
